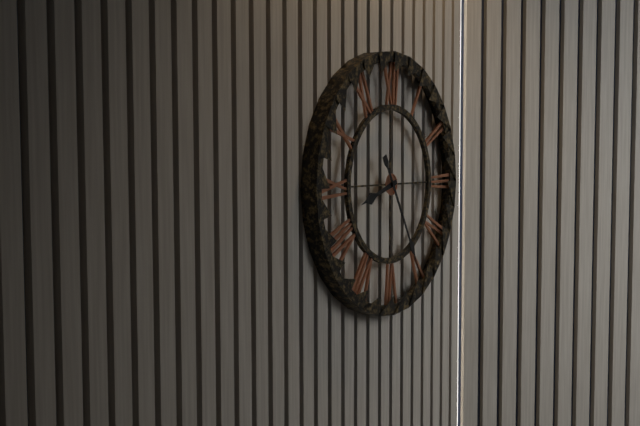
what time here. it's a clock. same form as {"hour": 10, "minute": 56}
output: {"hour": 8, "minute": 25}
